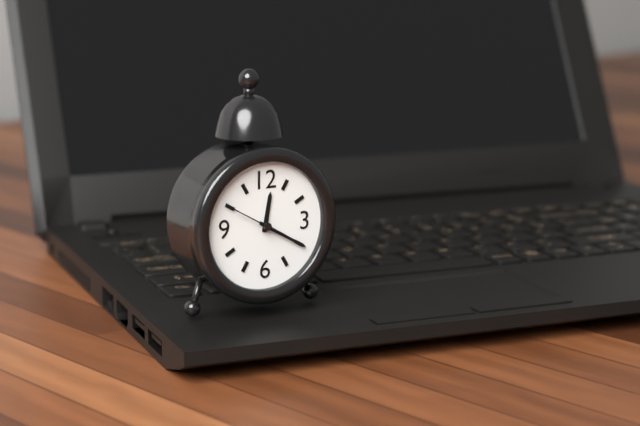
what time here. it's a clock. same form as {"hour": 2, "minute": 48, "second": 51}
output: {"hour": 12, "minute": 20, "second": 50}
